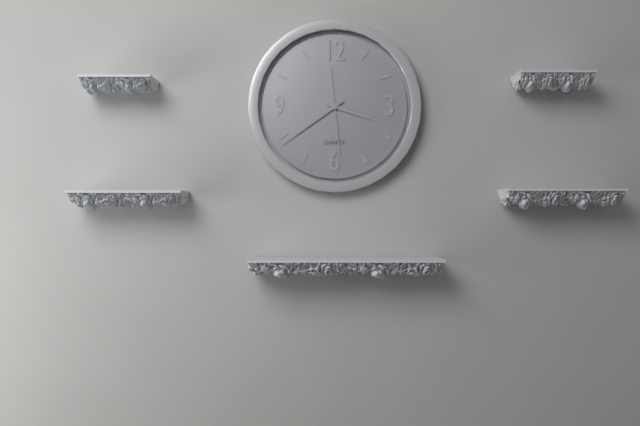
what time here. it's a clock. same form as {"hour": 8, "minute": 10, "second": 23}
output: {"hour": 3, "minute": 39, "second": 29}
